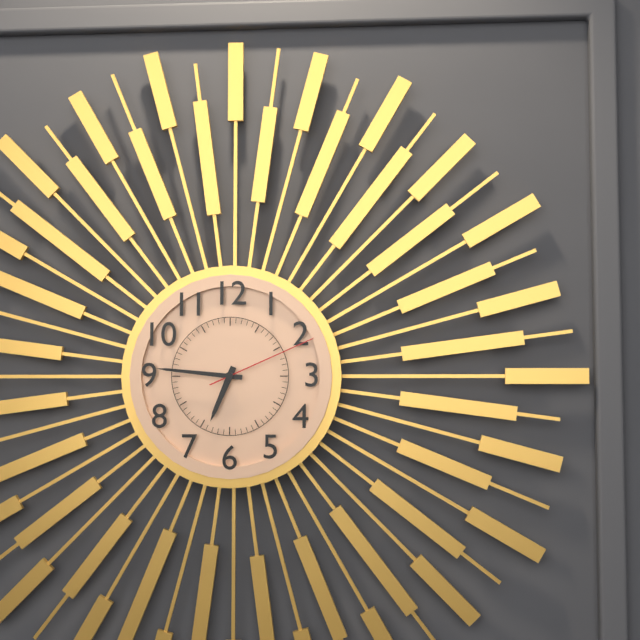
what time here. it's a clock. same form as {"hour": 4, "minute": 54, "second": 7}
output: {"hour": 6, "minute": 46, "second": 11}
